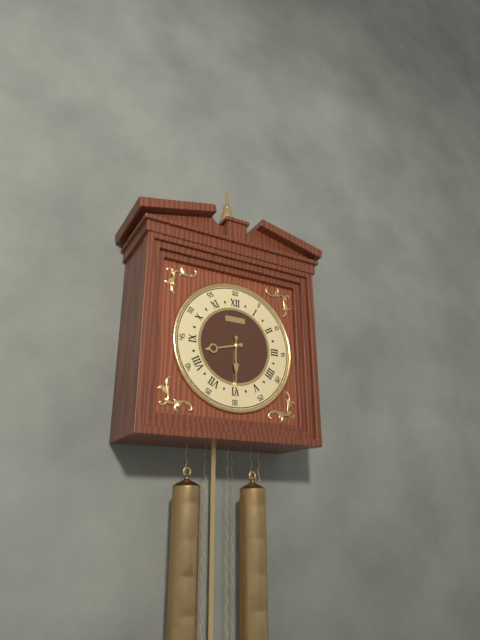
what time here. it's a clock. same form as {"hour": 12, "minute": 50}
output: {"hour": 8, "minute": 30}
